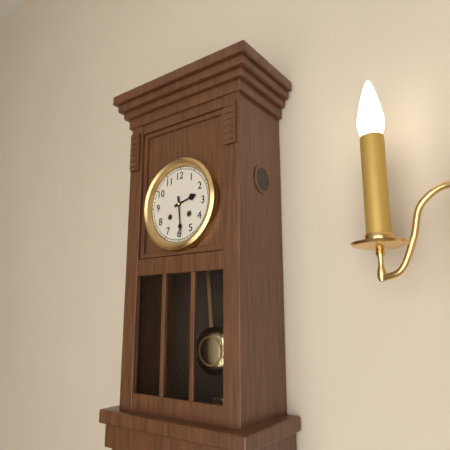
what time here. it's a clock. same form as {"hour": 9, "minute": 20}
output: {"hour": 2, "minute": 29}
